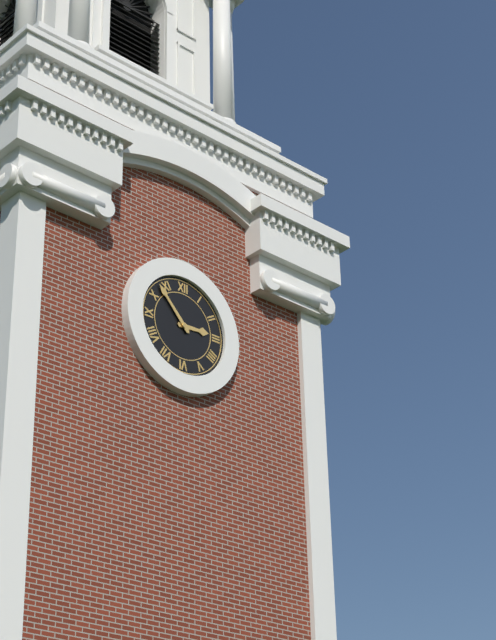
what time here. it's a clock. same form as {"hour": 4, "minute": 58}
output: {"hour": 2, "minute": 53}
